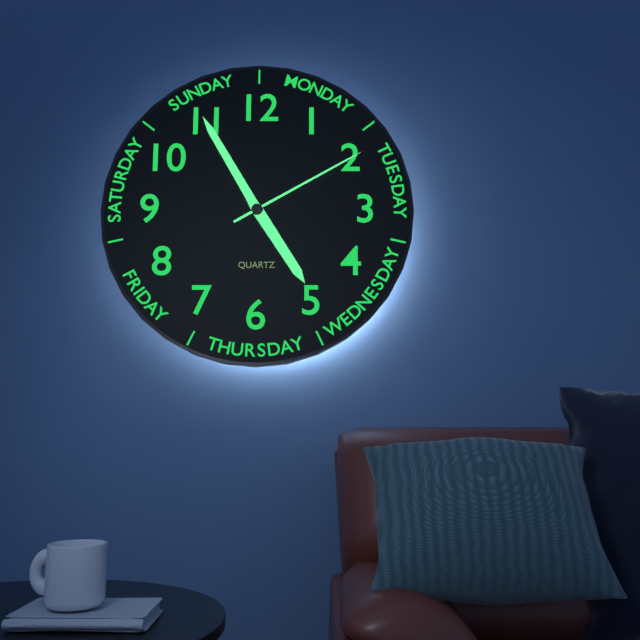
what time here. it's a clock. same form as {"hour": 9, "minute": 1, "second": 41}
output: {"hour": 4, "minute": 55, "second": 10}
